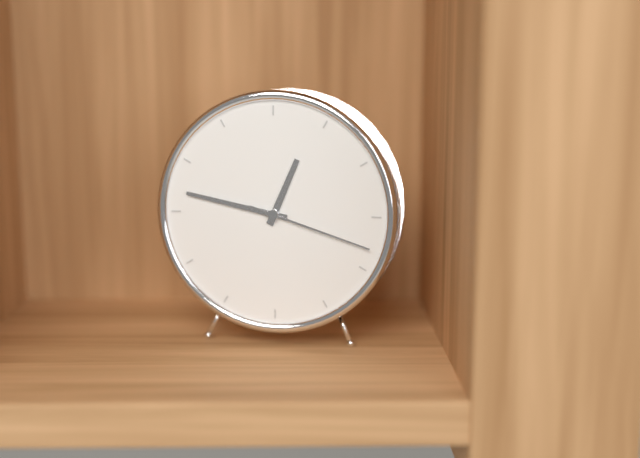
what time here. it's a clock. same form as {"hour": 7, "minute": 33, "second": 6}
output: {"hour": 12, "minute": 47, "second": 18}
